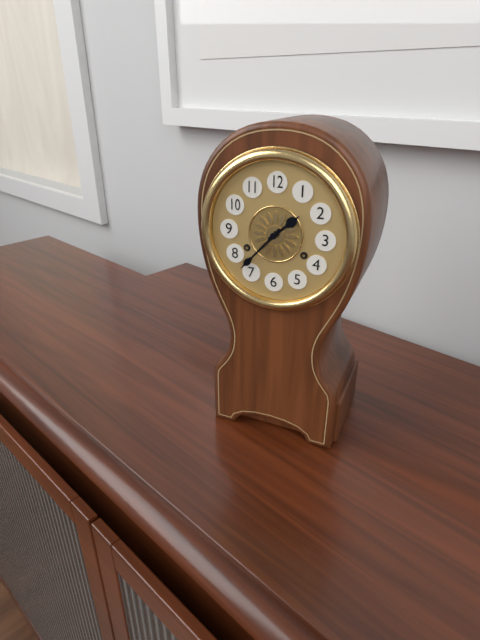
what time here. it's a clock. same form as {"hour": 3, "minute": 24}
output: {"hour": 1, "minute": 37}
